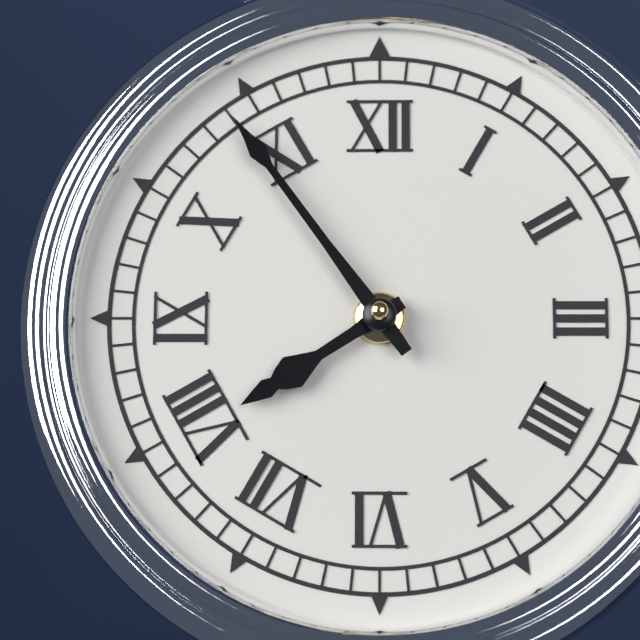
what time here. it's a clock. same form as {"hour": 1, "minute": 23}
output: {"hour": 7, "minute": 54}
